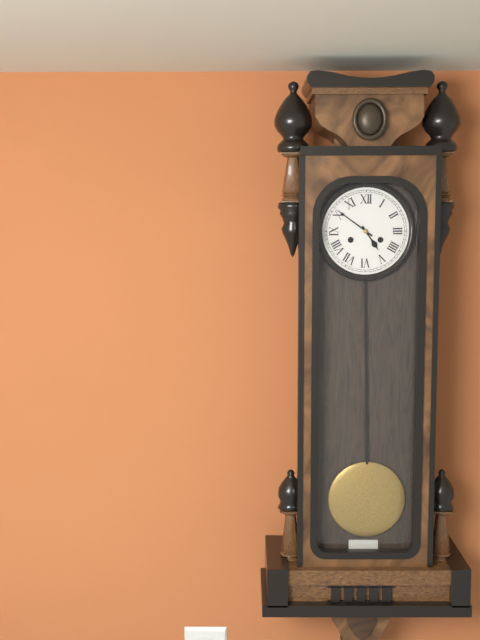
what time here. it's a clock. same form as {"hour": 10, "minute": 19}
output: {"hour": 4, "minute": 51}
